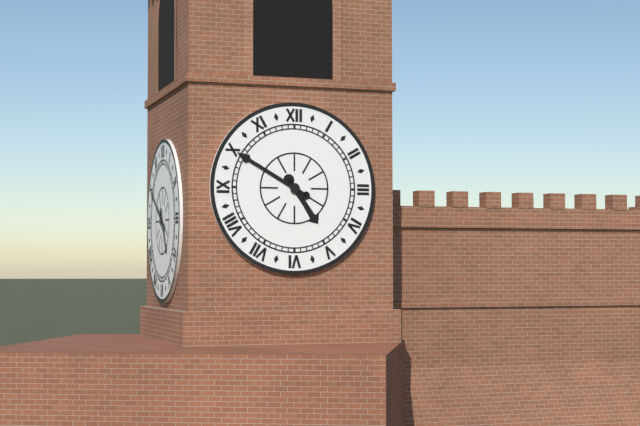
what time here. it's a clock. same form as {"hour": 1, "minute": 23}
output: {"hour": 4, "minute": 50}
